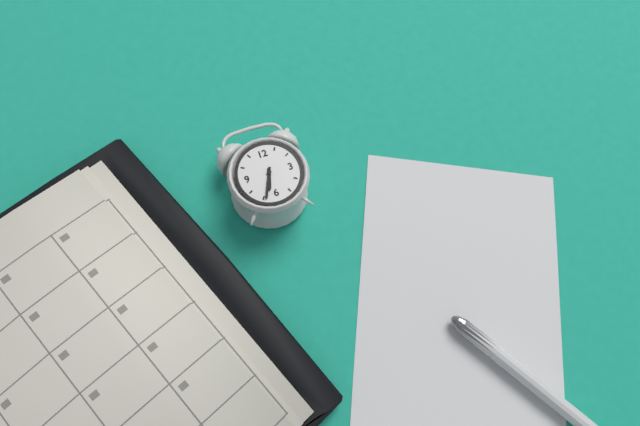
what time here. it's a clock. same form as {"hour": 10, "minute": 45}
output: {"hour": 6, "minute": 34}
